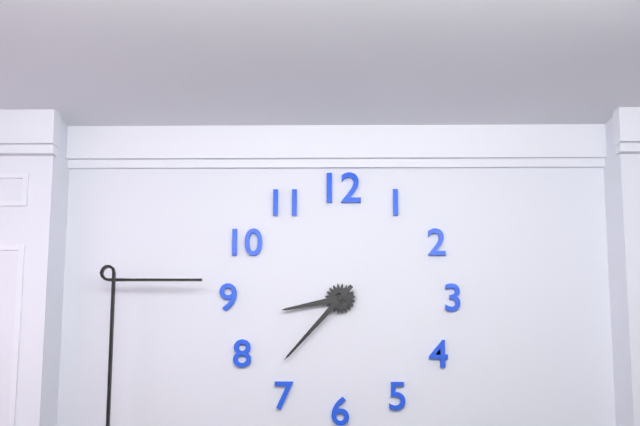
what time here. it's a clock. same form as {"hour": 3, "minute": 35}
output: {"hour": 8, "minute": 37}
